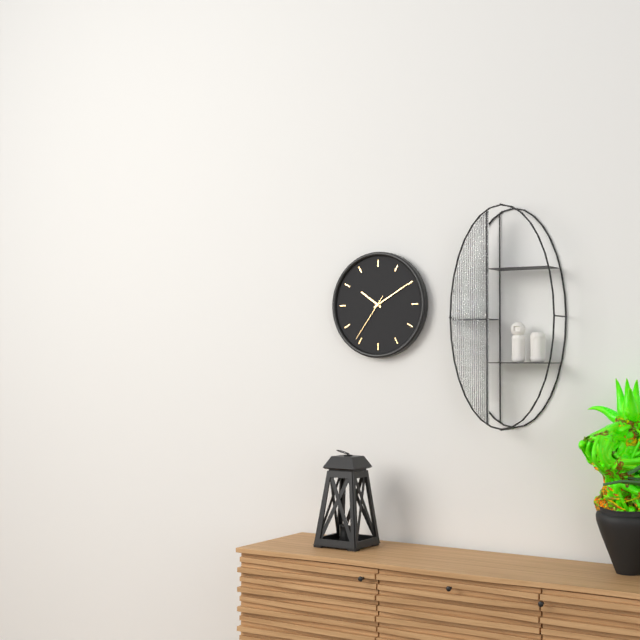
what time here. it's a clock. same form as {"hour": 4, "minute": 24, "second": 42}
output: {"hour": 10, "minute": 10, "second": 36}
